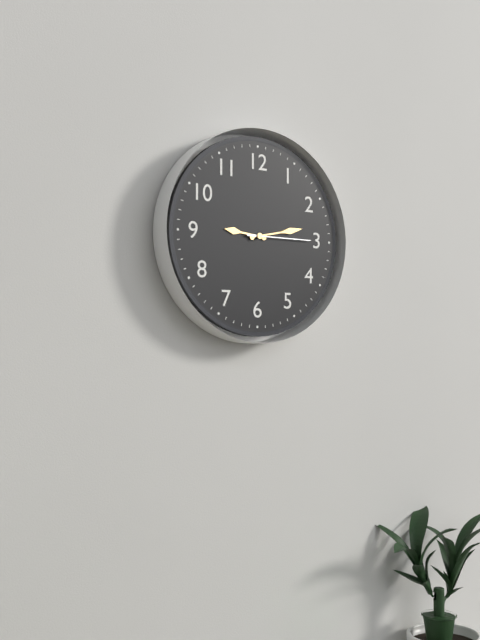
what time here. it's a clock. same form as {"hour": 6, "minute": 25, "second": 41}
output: {"hour": 9, "minute": 13, "second": 15}
